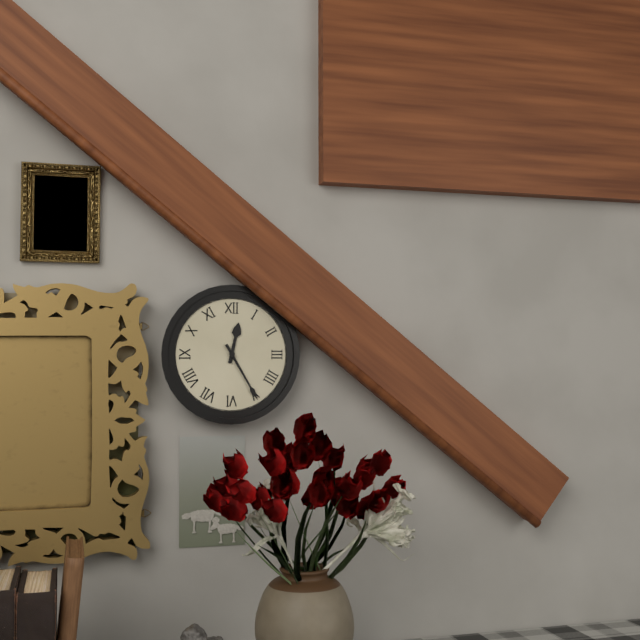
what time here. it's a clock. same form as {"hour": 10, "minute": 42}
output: {"hour": 12, "minute": 25}
